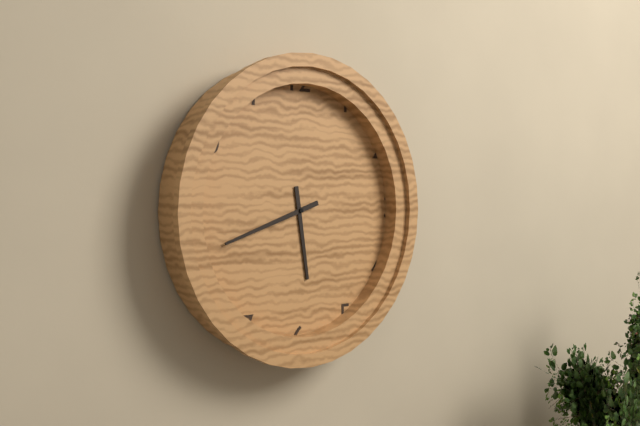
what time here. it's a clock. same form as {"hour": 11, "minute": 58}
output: {"hour": 5, "minute": 42}
